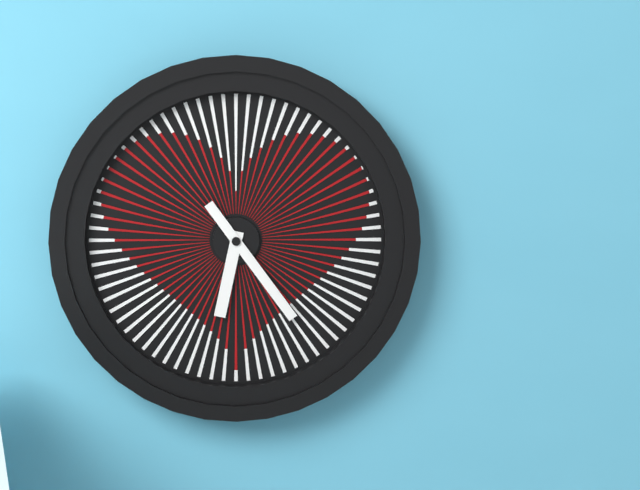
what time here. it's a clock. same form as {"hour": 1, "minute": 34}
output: {"hour": 6, "minute": 24}
